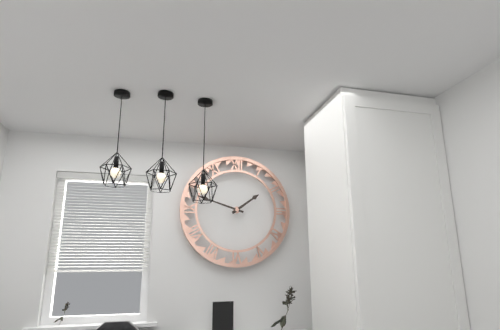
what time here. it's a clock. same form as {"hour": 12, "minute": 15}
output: {"hour": 1, "minute": 48}
